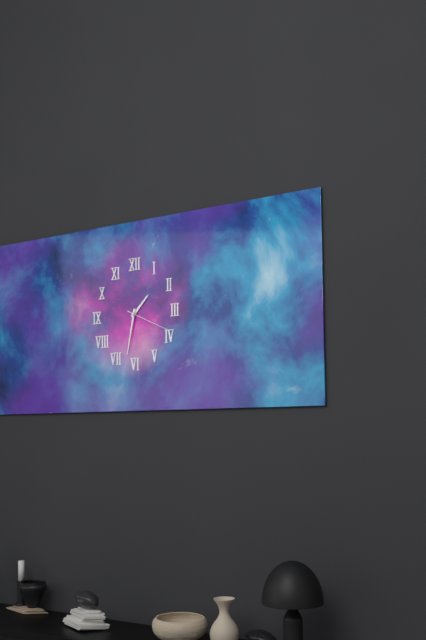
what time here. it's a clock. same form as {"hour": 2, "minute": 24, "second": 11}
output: {"hour": 1, "minute": 32, "second": 19}
